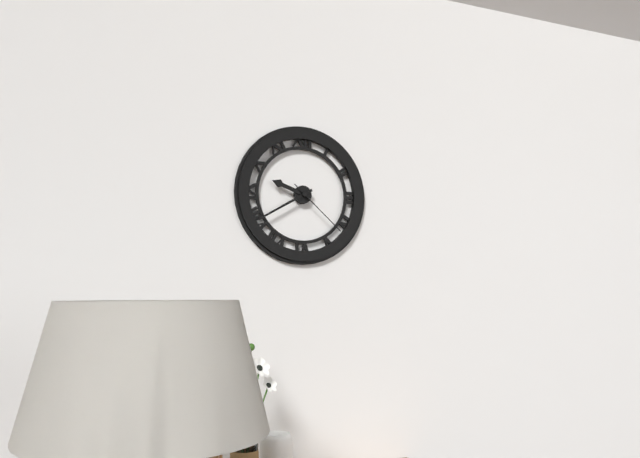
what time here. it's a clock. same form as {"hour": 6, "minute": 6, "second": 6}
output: {"hour": 9, "minute": 40, "second": 22}
